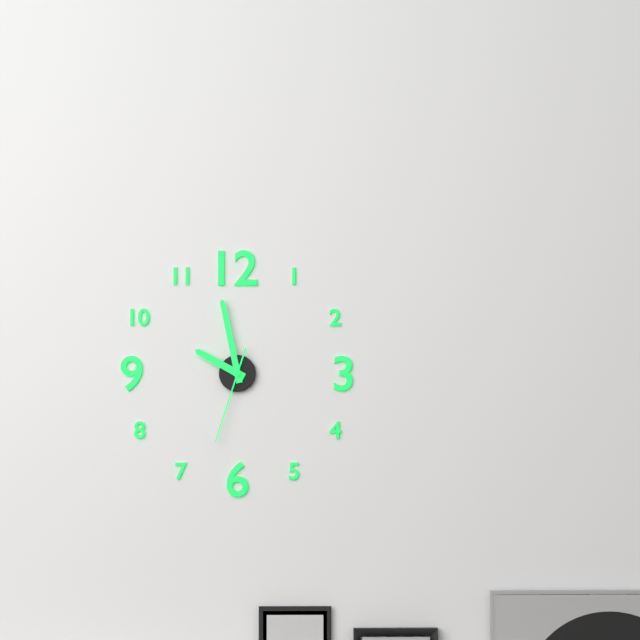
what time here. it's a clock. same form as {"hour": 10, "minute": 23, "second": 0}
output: {"hour": 9, "minute": 58, "second": 33}
